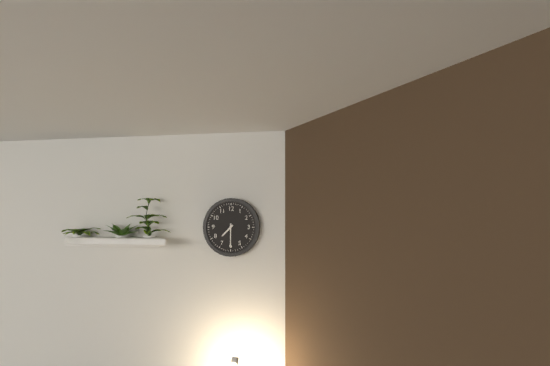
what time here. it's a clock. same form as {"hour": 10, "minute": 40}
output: {"hour": 7, "minute": 30}
